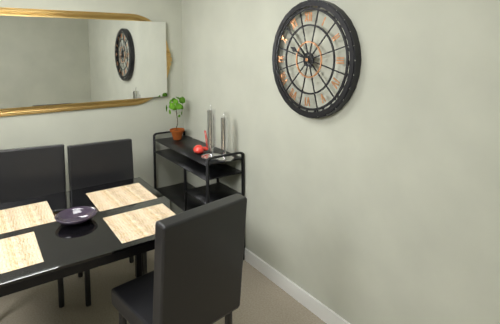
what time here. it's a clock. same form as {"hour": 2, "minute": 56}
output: {"hour": 9, "minute": 53}
